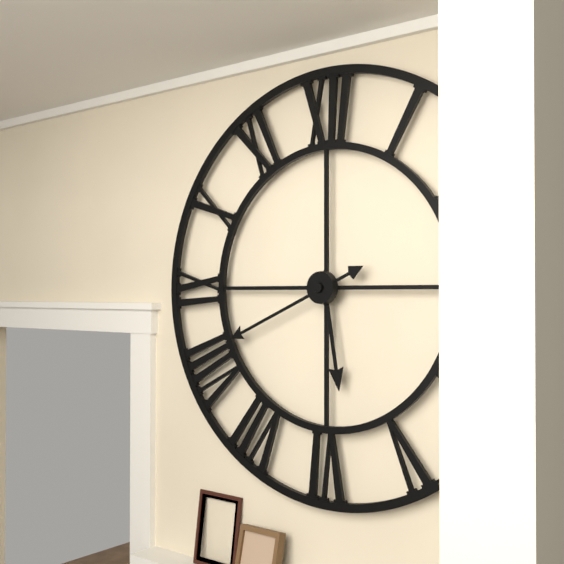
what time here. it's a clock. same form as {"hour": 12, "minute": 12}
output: {"hour": 5, "minute": 41}
